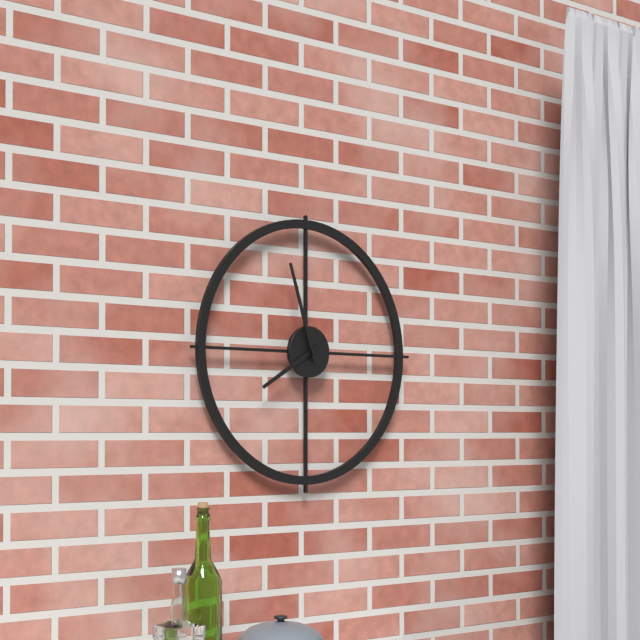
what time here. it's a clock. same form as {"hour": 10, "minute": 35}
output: {"hour": 7, "minute": 57}
